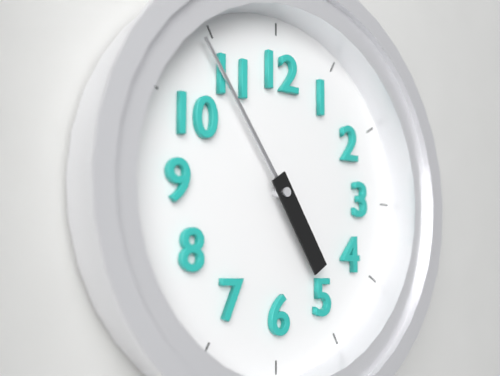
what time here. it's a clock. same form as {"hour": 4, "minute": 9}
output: {"hour": 4, "minute": 54}
